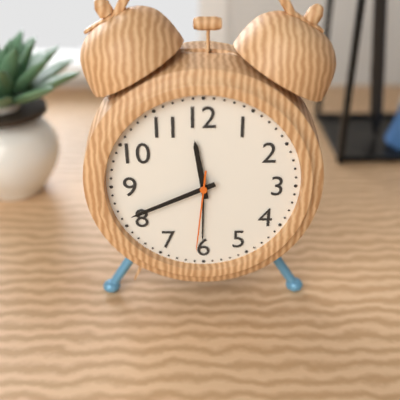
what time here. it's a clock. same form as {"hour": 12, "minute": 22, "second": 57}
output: {"hour": 11, "minute": 41, "second": 31}
